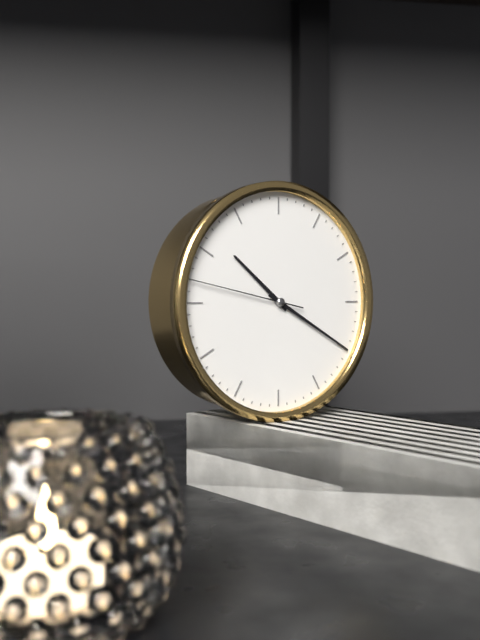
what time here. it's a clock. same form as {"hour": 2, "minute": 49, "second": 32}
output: {"hour": 10, "minute": 20, "second": 47}
